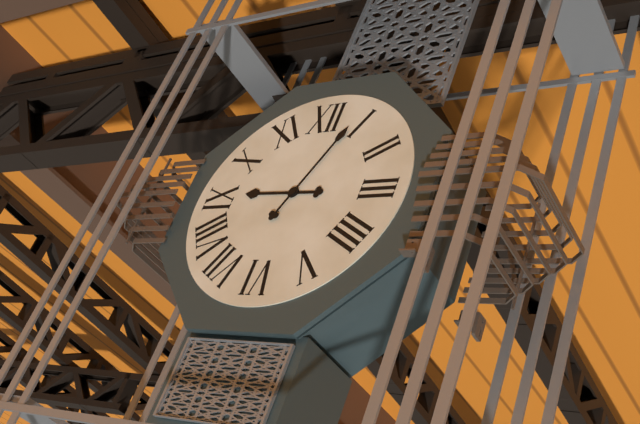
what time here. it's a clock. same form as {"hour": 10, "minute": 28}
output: {"hour": 9, "minute": 4}
